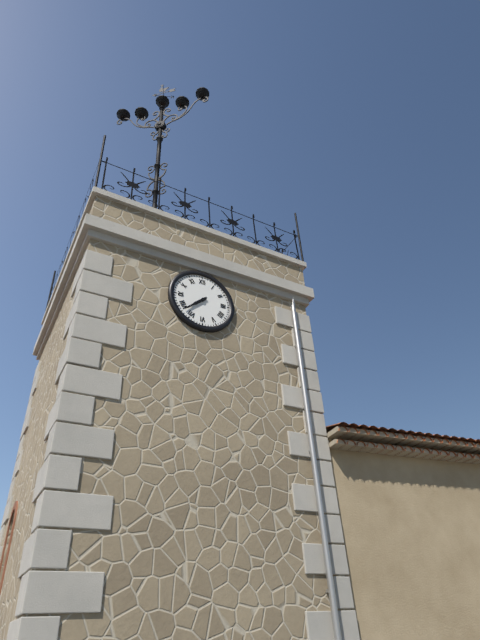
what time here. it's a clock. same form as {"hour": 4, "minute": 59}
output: {"hour": 7, "minute": 38}
